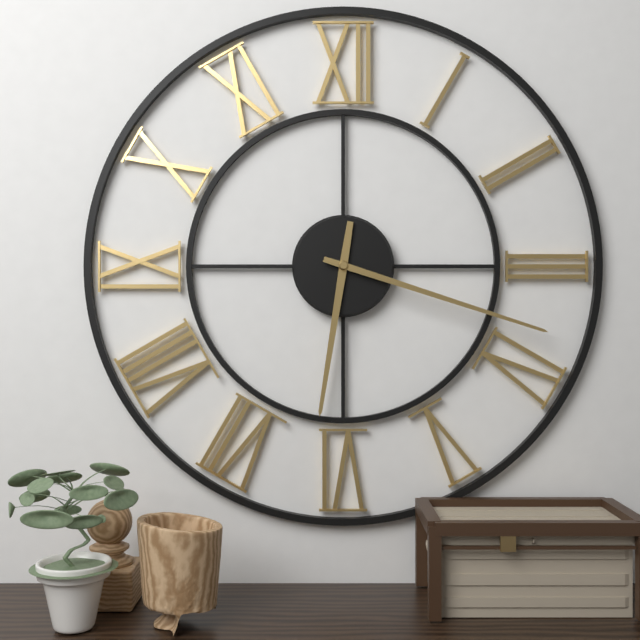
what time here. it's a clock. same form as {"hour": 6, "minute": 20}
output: {"hour": 6, "minute": 18}
